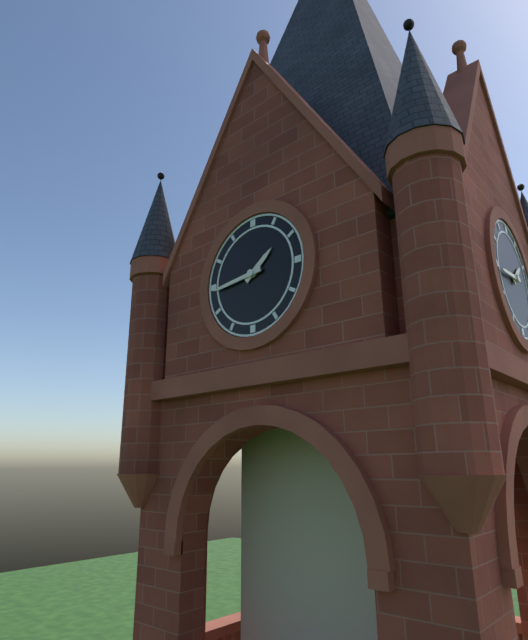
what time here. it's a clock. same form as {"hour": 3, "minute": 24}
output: {"hour": 1, "minute": 44}
